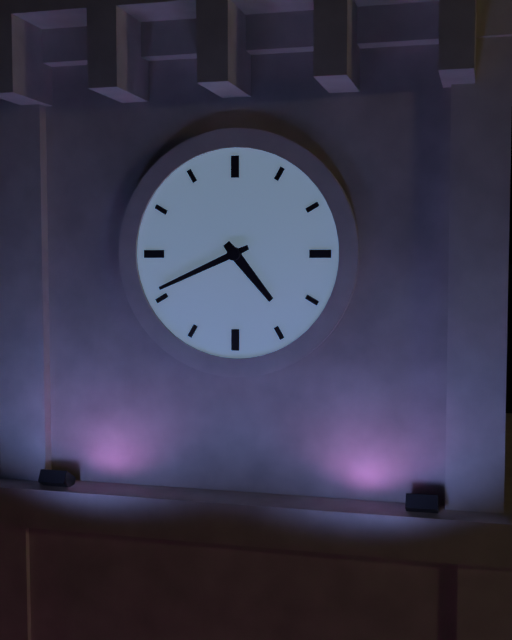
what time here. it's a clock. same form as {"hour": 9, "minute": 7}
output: {"hour": 4, "minute": 41}
